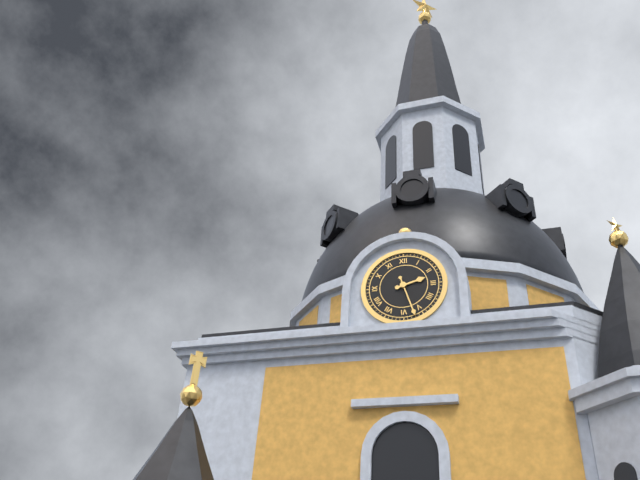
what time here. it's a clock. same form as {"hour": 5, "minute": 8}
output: {"hour": 2, "minute": 27}
